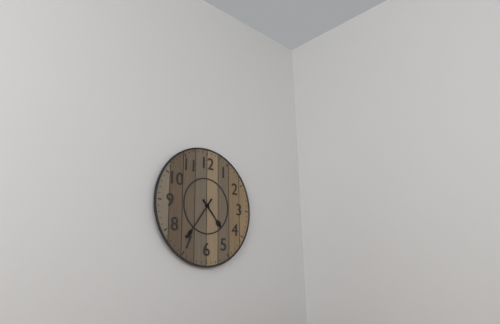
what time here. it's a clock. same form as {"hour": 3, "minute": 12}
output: {"hour": 4, "minute": 36}
